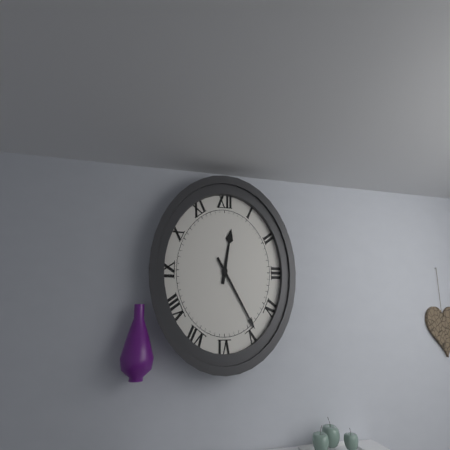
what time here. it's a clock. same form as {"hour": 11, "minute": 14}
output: {"hour": 12, "minute": 24}
